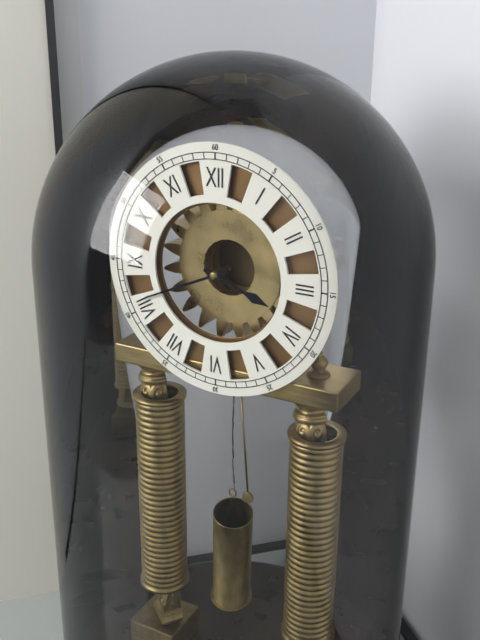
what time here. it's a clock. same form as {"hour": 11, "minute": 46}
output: {"hour": 3, "minute": 41}
